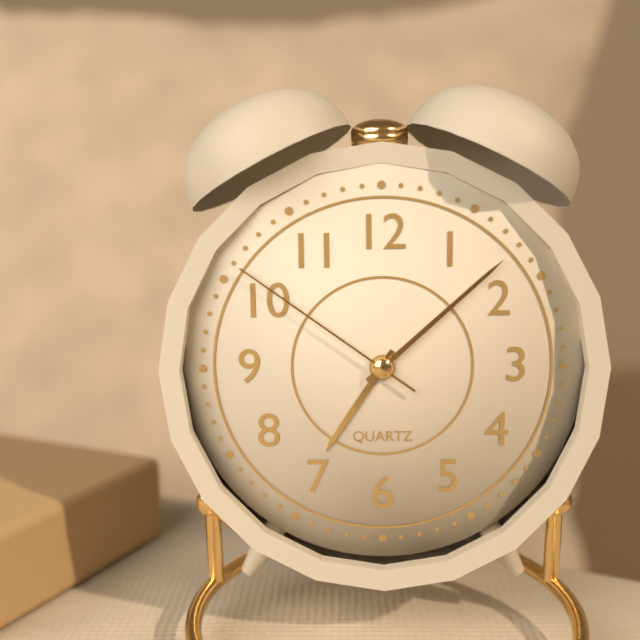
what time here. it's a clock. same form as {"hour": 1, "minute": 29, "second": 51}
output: {"hour": 7, "minute": 8, "second": 51}
